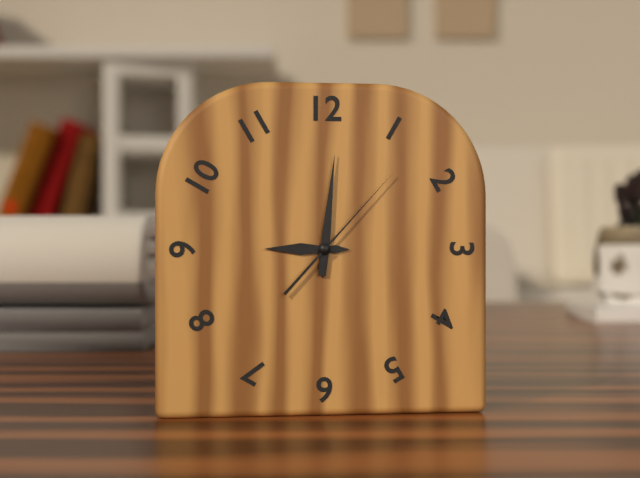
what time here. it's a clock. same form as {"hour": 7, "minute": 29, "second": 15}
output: {"hour": 9, "minute": 1, "second": 7}
